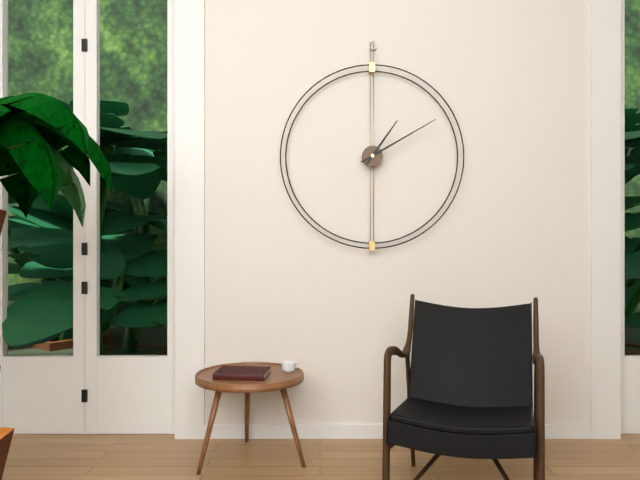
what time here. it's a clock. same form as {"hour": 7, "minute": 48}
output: {"hour": 1, "minute": 10}
